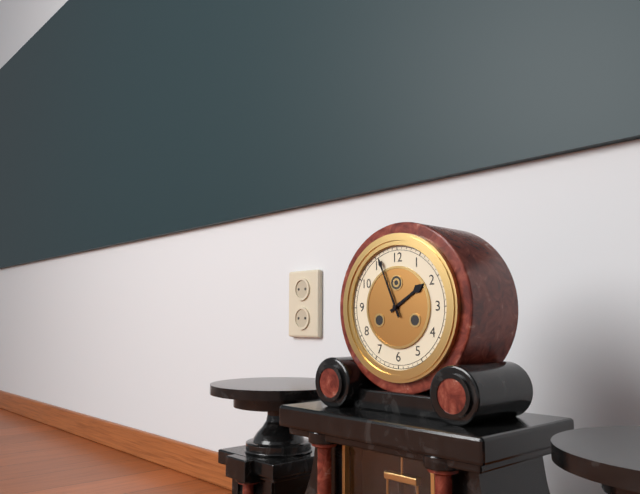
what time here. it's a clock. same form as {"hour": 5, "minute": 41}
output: {"hour": 1, "minute": 56}
